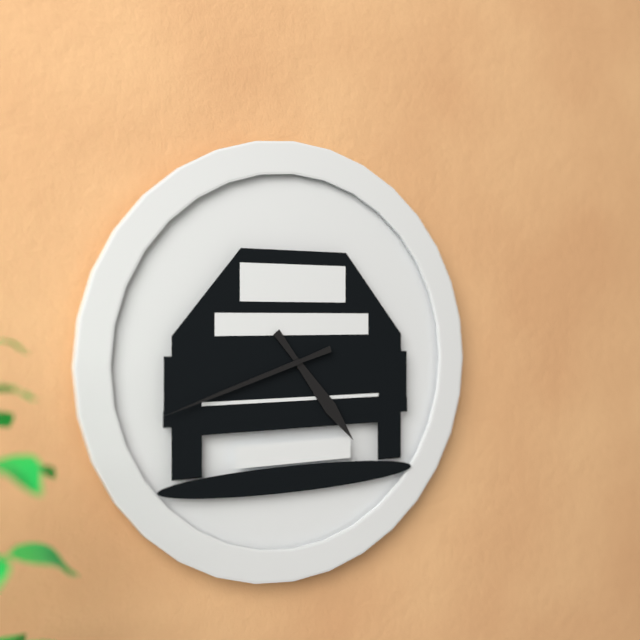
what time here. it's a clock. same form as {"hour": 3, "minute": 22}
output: {"hour": 4, "minute": 42}
